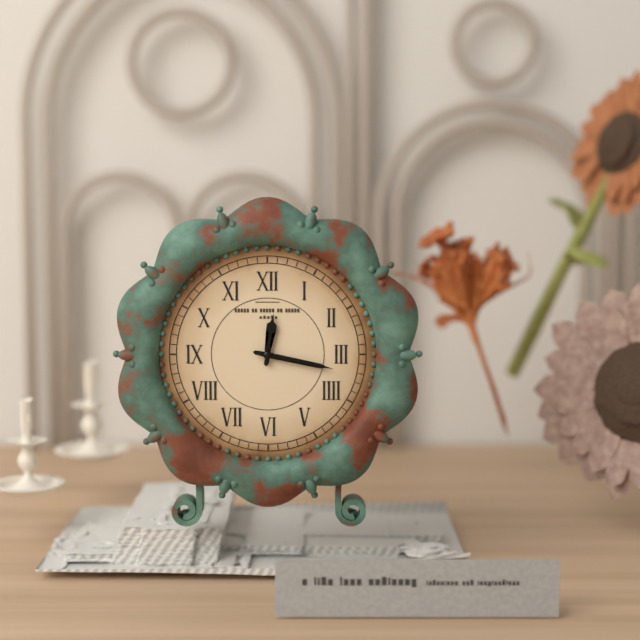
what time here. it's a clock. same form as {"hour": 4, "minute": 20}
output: {"hour": 12, "minute": 17}
